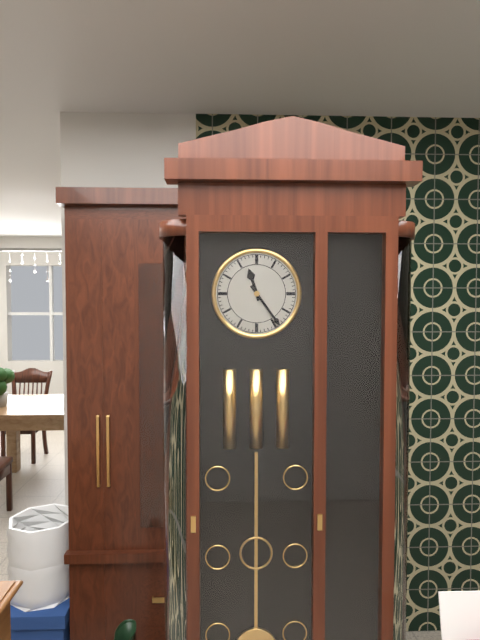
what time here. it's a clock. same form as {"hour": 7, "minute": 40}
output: {"hour": 11, "minute": 24}
